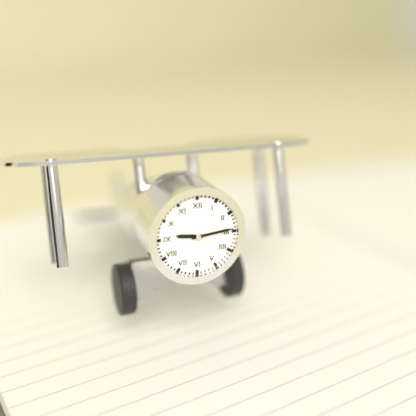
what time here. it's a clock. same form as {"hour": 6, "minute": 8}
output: {"hour": 9, "minute": 14}
